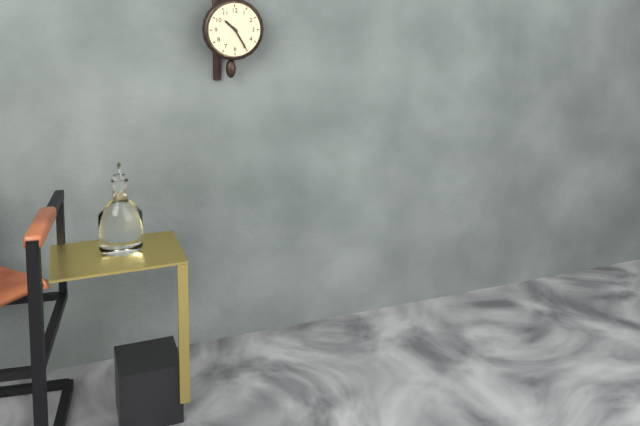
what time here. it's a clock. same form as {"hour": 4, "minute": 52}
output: {"hour": 10, "minute": 25}
